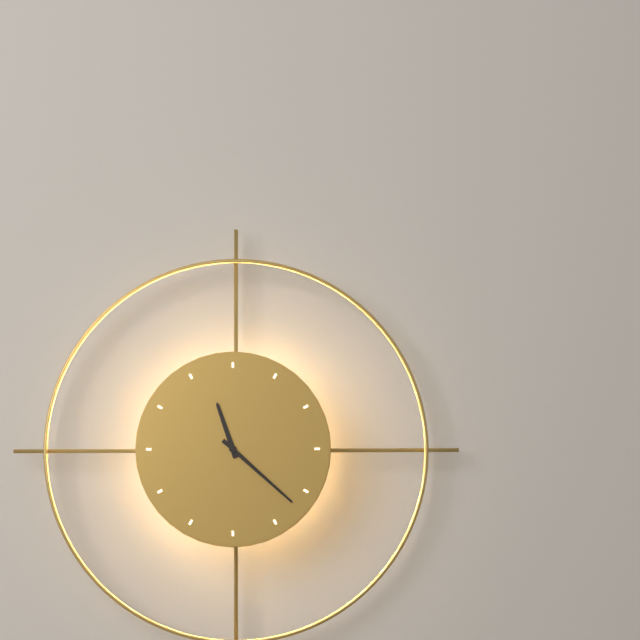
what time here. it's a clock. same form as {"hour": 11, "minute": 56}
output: {"hour": 11, "minute": 22}
